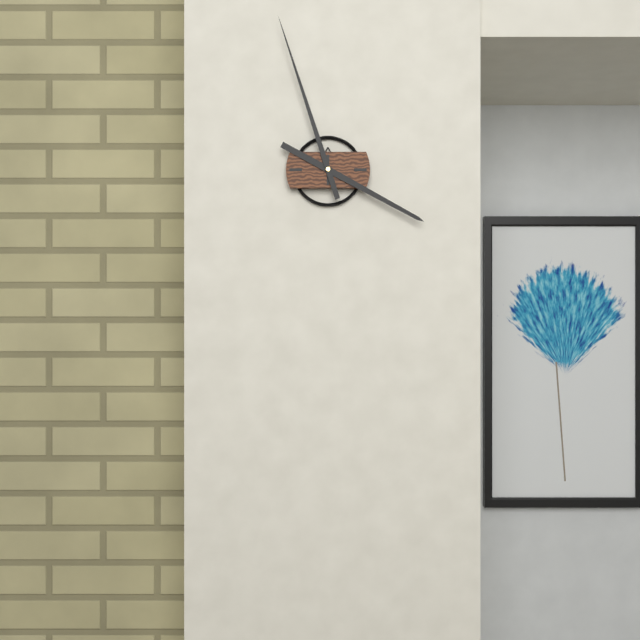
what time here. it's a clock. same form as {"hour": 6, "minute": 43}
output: {"hour": 3, "minute": 57}
